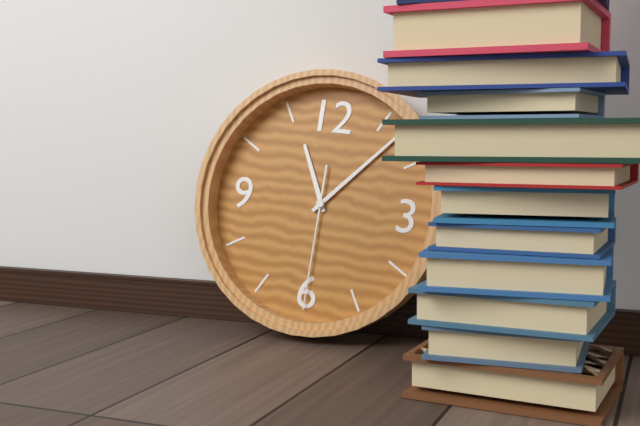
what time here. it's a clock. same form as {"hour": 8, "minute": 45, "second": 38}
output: {"hour": 11, "minute": 7, "second": 30}
